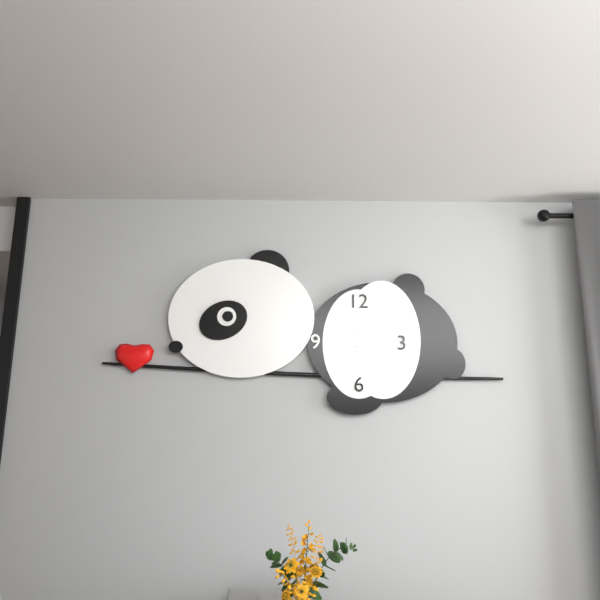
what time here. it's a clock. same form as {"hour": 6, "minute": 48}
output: {"hour": 12, "minute": 10}
